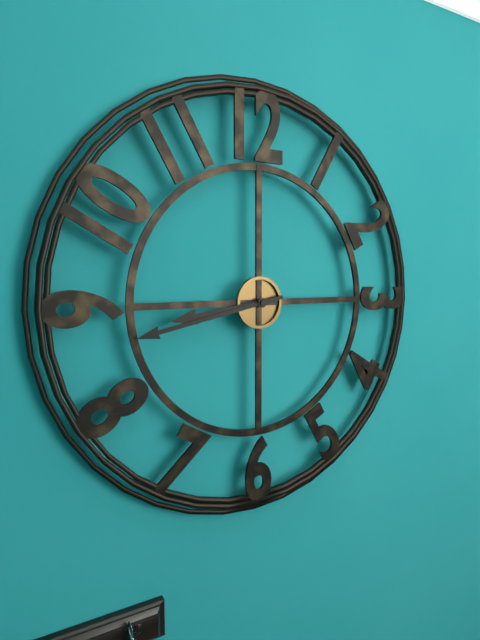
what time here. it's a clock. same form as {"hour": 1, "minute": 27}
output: {"hour": 8, "minute": 43}
